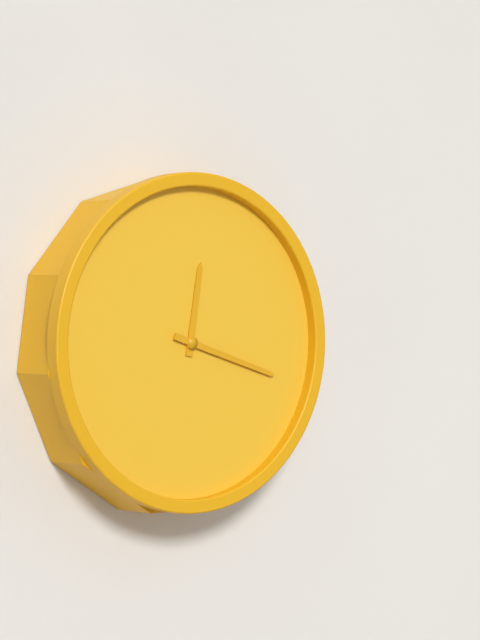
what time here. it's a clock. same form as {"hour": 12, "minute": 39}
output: {"hour": 12, "minute": 18}
